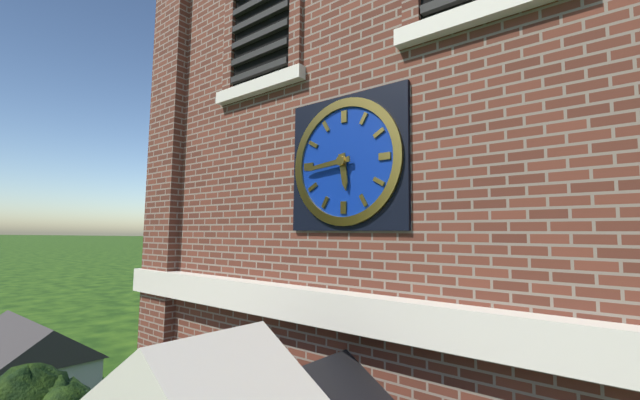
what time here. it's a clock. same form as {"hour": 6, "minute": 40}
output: {"hour": 5, "minute": 44}
